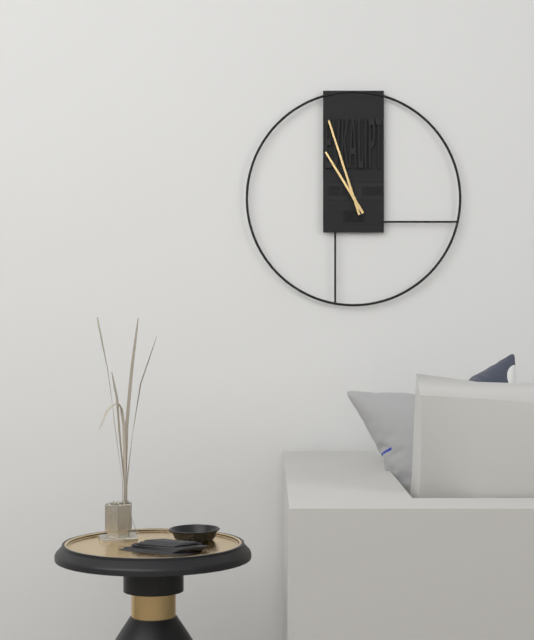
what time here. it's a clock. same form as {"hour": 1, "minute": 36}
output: {"hour": 10, "minute": 57}
